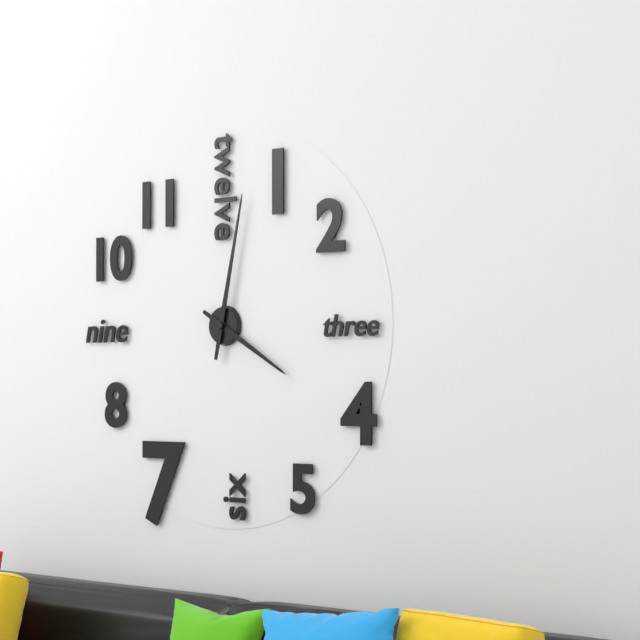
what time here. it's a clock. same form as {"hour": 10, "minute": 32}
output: {"hour": 4, "minute": 2}
